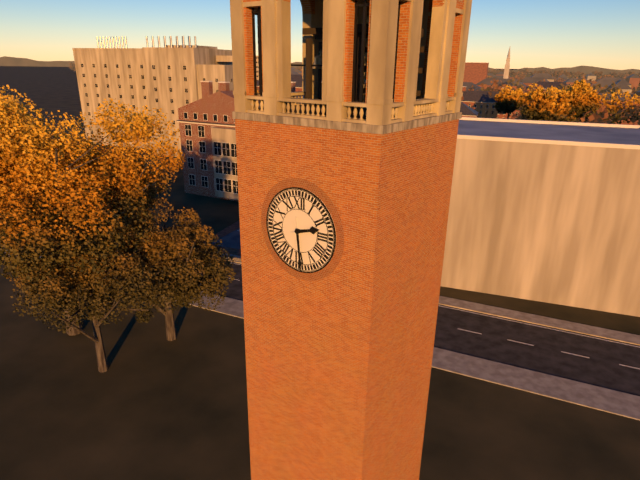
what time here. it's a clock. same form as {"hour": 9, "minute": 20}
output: {"hour": 2, "minute": 29}
